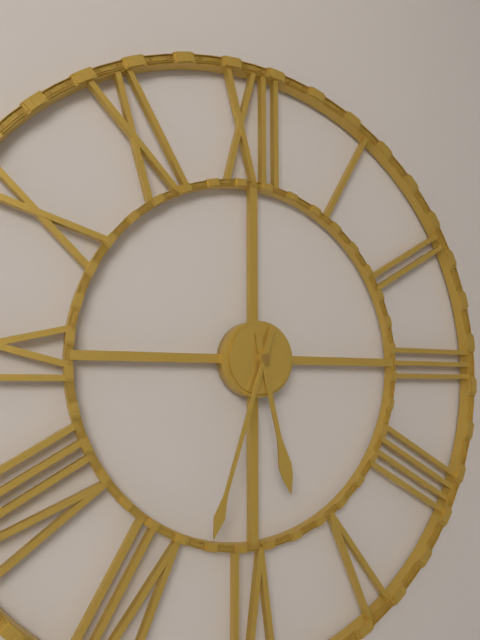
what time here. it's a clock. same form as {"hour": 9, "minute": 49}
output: {"hour": 5, "minute": 33}
